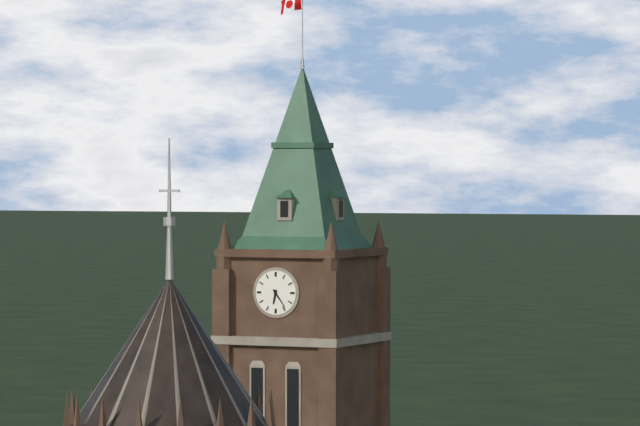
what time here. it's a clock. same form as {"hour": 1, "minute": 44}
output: {"hour": 6, "minute": 24}
